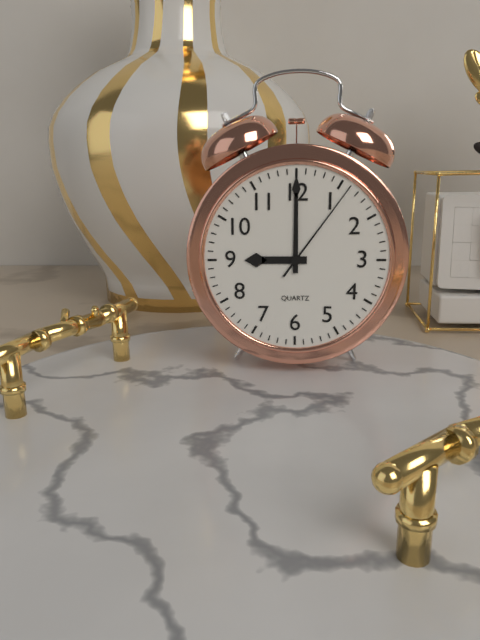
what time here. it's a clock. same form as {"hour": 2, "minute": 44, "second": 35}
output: {"hour": 9, "minute": 0, "second": 6}
